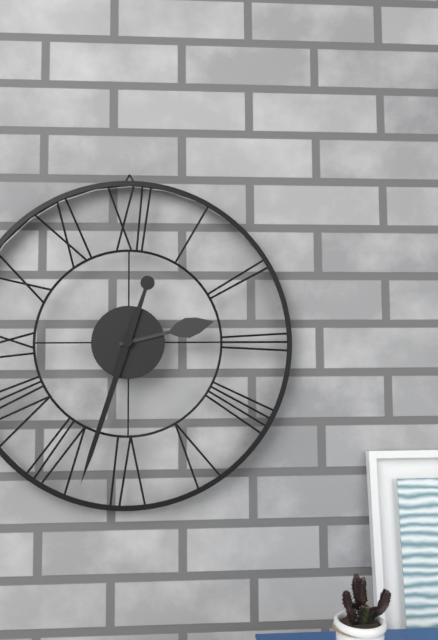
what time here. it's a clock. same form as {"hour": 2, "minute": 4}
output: {"hour": 2, "minute": 33}
